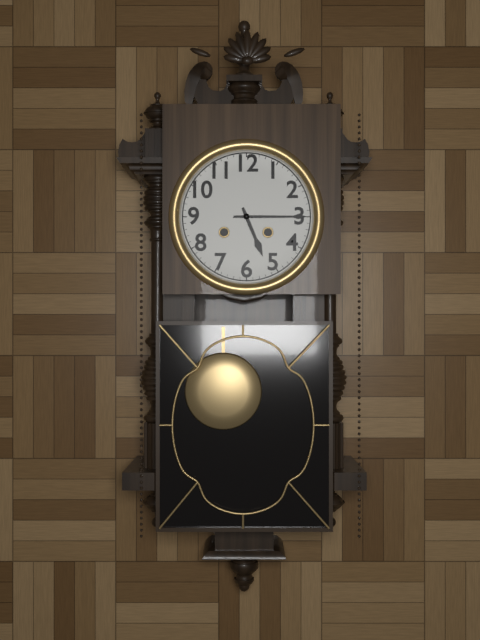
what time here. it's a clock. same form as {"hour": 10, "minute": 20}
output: {"hour": 5, "minute": 15}
